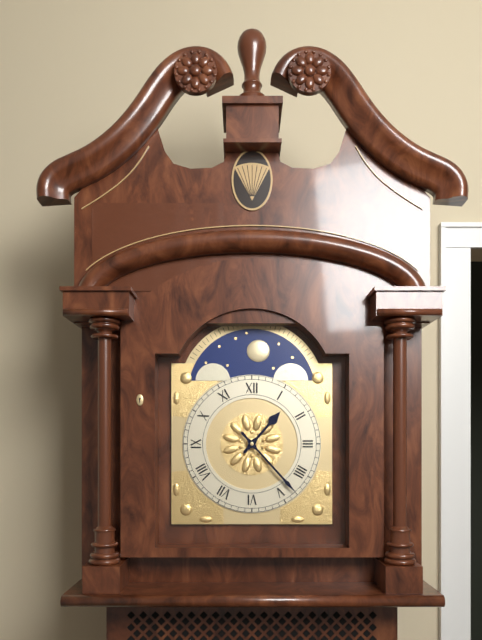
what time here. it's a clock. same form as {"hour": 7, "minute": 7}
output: {"hour": 1, "minute": 23}
